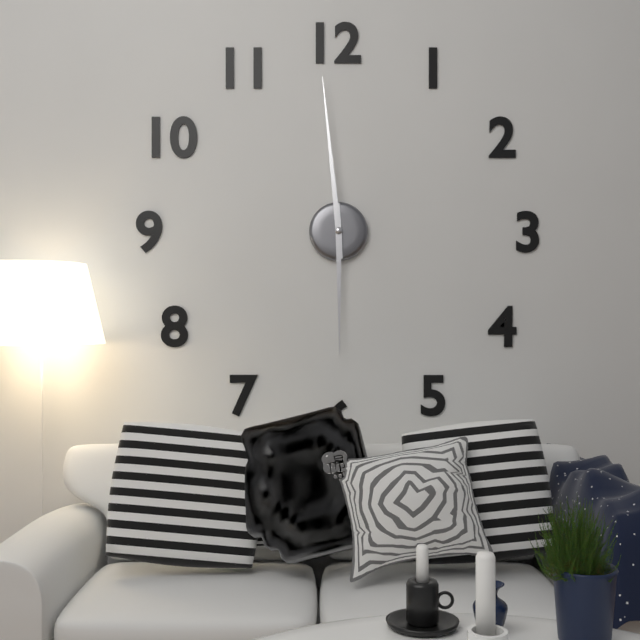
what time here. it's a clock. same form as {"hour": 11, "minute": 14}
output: {"hour": 5, "minute": 59}
